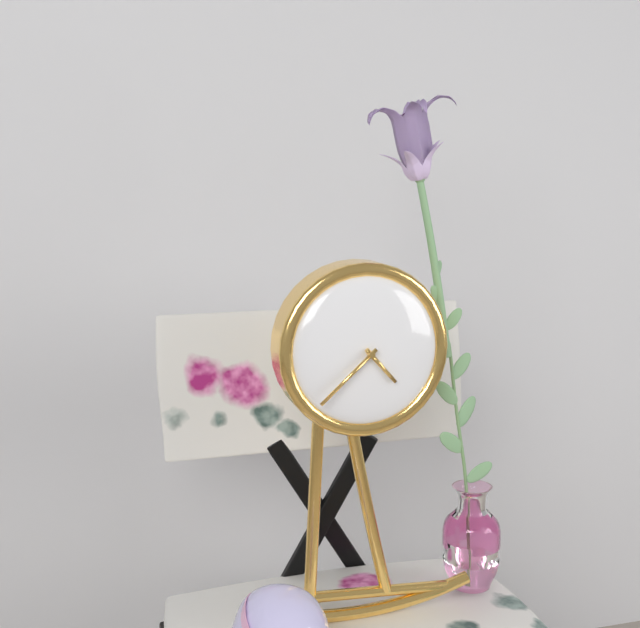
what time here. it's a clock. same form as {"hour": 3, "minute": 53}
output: {"hour": 4, "minute": 38}
